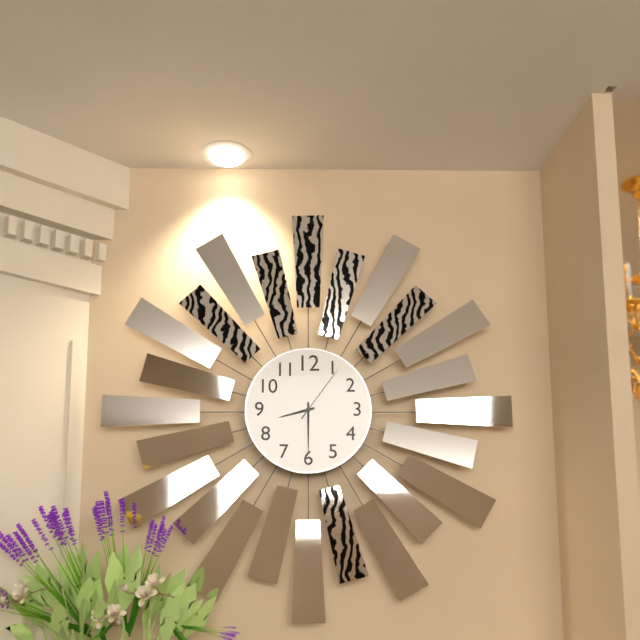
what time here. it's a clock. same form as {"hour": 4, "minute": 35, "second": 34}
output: {"hour": 8, "minute": 30, "second": 6}
